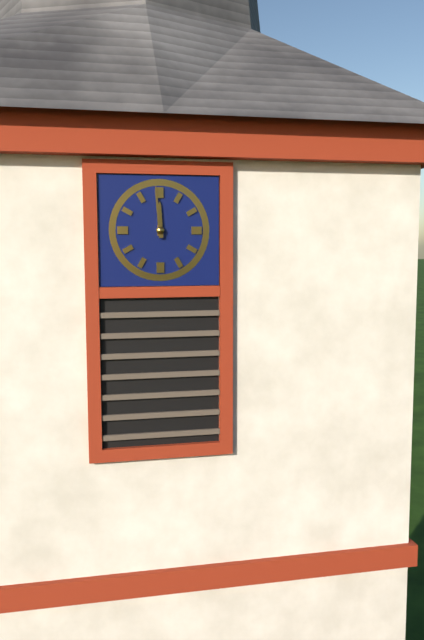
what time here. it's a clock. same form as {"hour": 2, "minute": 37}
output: {"hour": 11, "minute": 59}
